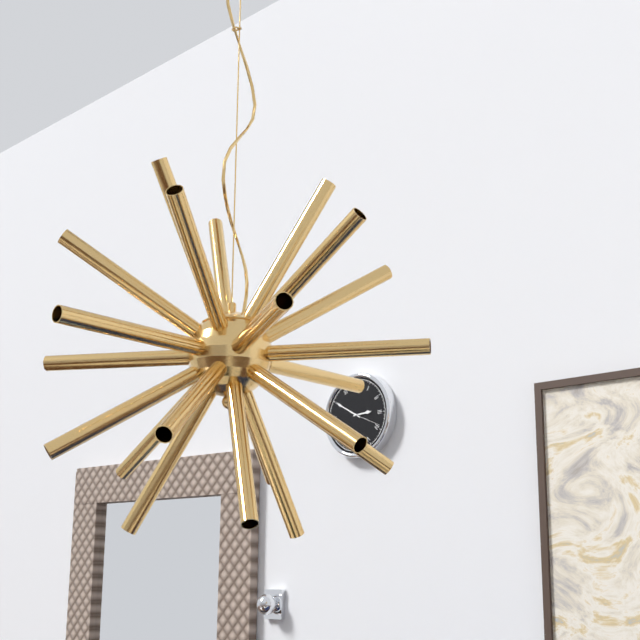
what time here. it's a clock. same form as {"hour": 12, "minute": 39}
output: {"hour": 2, "minute": 50}
